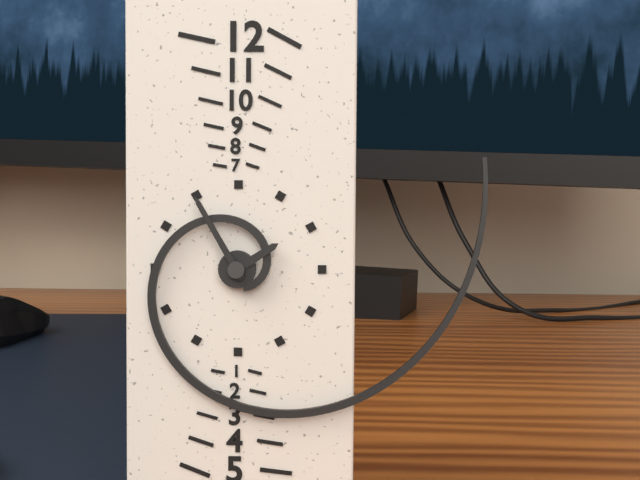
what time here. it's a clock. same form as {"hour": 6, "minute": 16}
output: {"hour": 1, "minute": 55}
